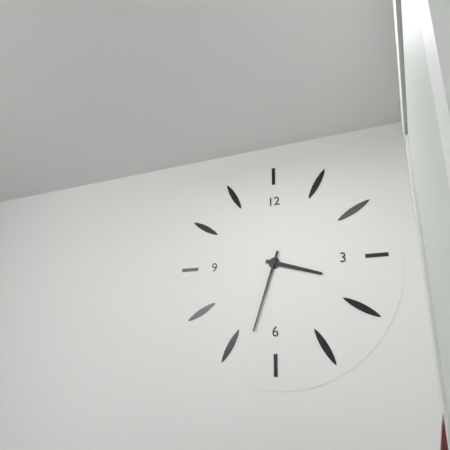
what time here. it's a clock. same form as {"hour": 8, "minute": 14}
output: {"hour": 3, "minute": 33}
